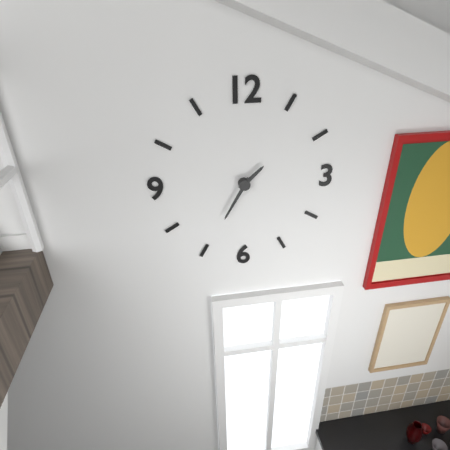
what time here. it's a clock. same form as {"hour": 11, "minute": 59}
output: {"hour": 1, "minute": 35}
